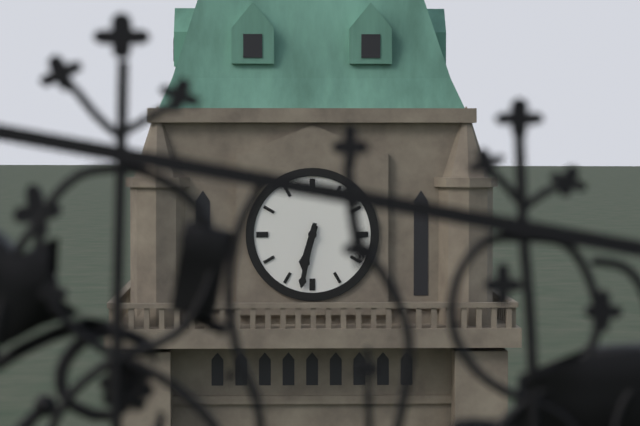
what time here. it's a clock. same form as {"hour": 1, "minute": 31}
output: {"hour": 6, "minute": 32}
